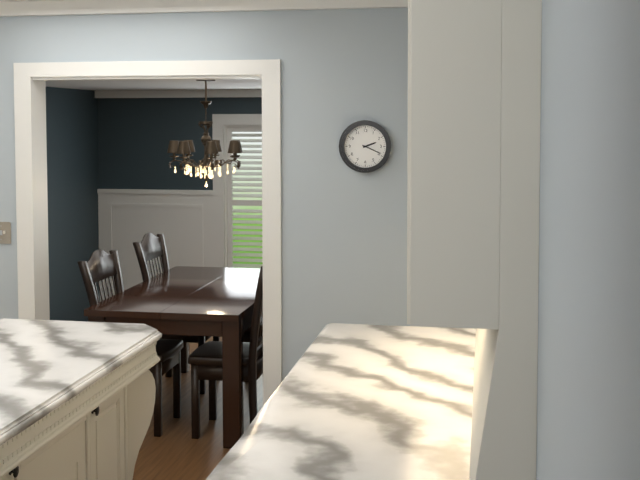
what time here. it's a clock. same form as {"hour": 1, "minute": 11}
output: {"hour": 2, "minute": 19}
